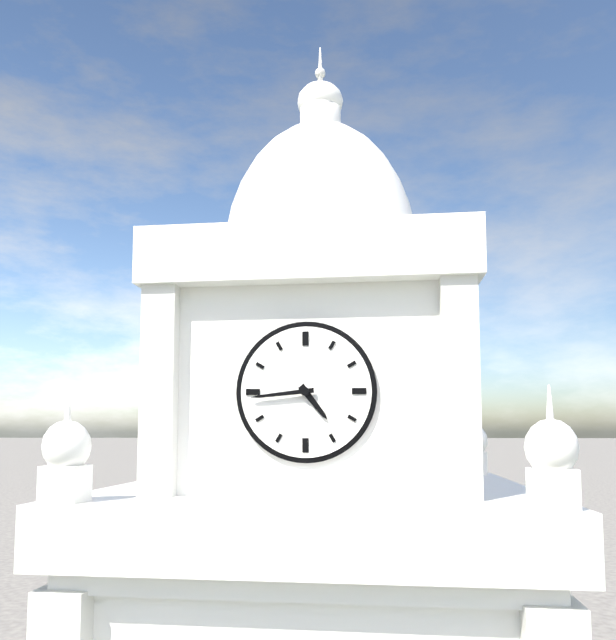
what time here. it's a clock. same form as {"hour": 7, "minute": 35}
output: {"hour": 4, "minute": 44}
